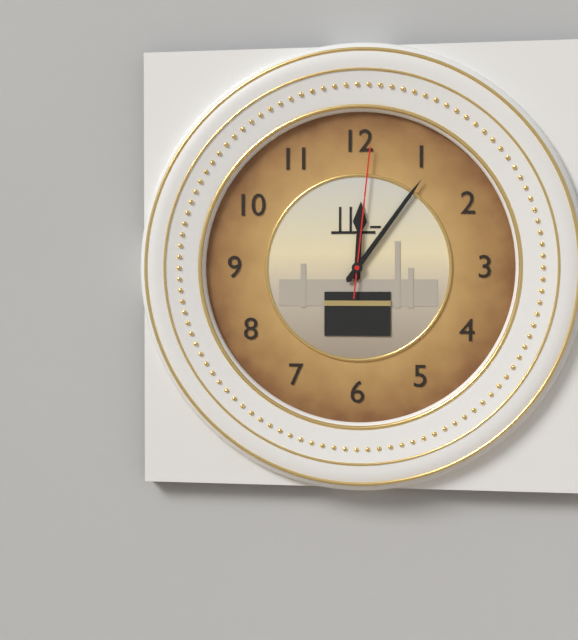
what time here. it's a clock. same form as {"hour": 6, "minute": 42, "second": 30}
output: {"hour": 12, "minute": 6, "second": 1}
